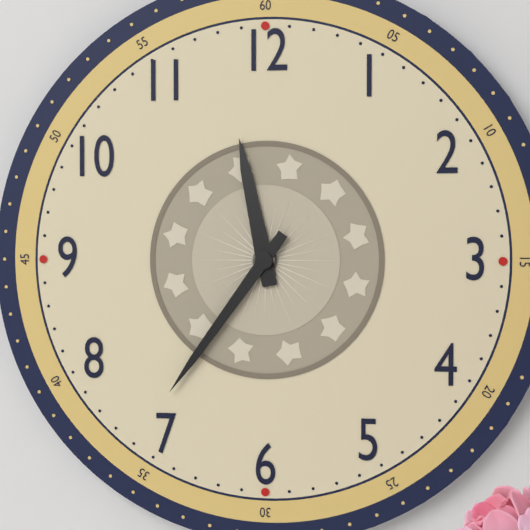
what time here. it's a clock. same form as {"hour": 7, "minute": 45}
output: {"hour": 11, "minute": 36}
